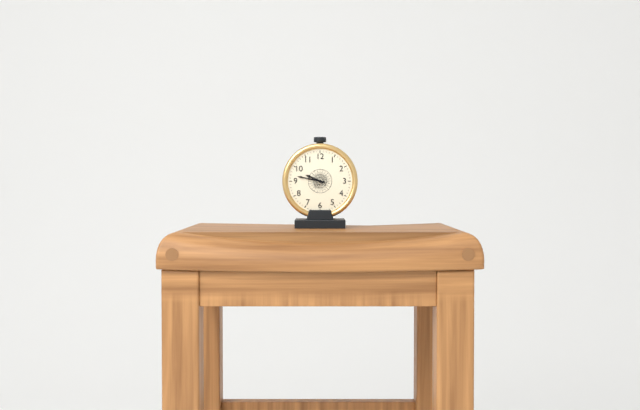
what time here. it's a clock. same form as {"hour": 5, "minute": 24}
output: {"hour": 9, "minute": 47}
